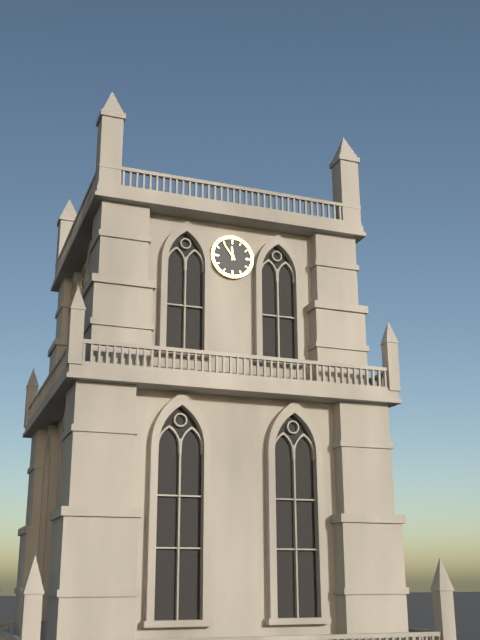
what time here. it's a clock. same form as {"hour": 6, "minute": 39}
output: {"hour": 11, "minute": 54}
